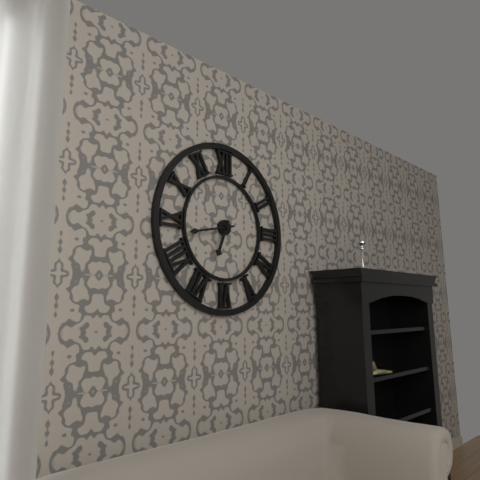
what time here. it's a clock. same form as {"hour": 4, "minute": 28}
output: {"hour": 6, "minute": 43}
